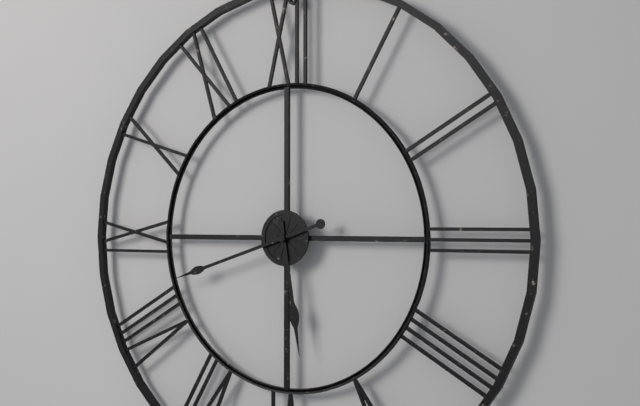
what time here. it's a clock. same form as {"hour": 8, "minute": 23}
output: {"hour": 5, "minute": 42}
